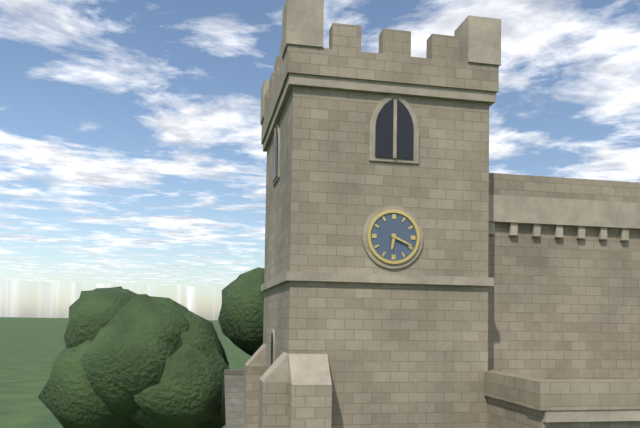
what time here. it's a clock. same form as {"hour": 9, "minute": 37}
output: {"hour": 6, "minute": 19}
